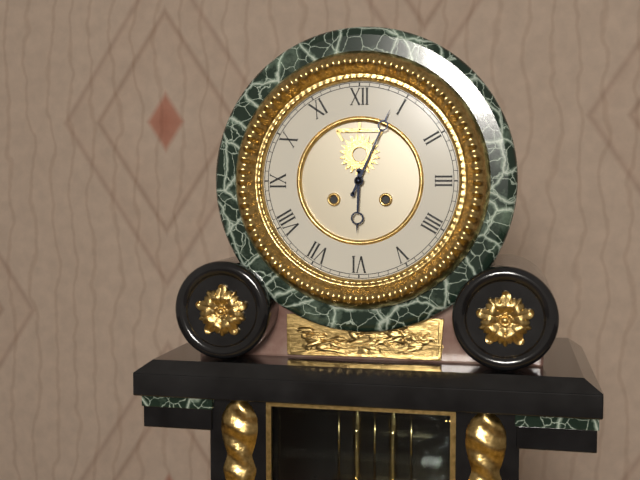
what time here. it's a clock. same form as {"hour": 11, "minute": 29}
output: {"hour": 6, "minute": 4}
